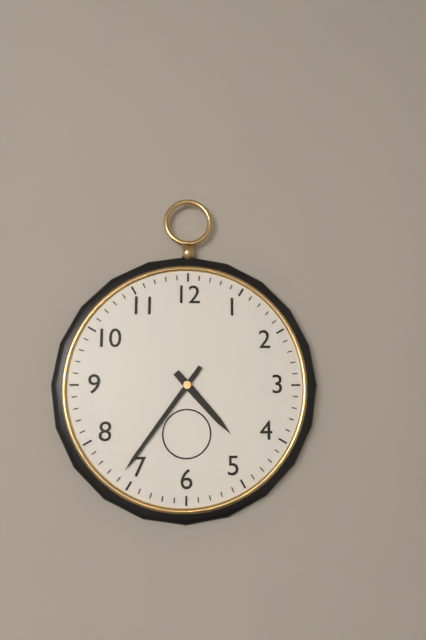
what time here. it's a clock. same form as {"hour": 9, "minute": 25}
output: {"hour": 4, "minute": 36}
